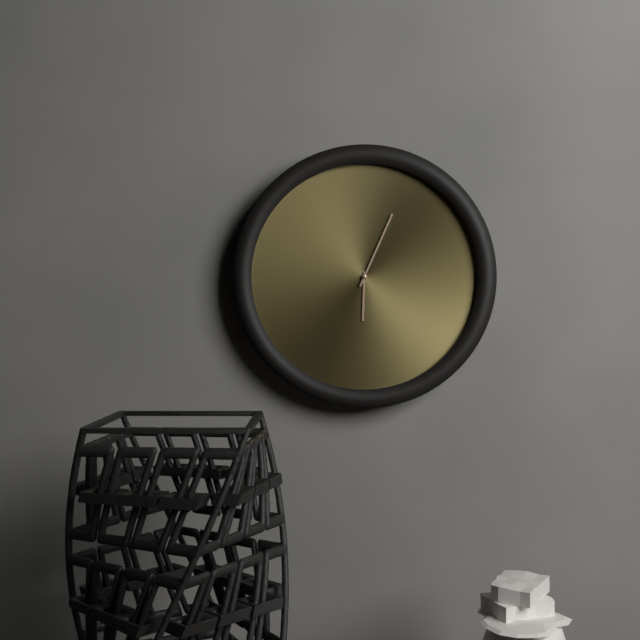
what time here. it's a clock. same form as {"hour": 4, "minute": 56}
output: {"hour": 6, "minute": 4}
